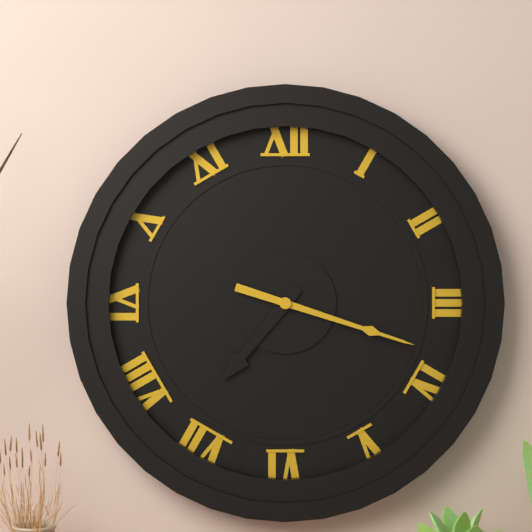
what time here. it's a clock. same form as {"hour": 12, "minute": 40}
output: {"hour": 7, "minute": 18}
